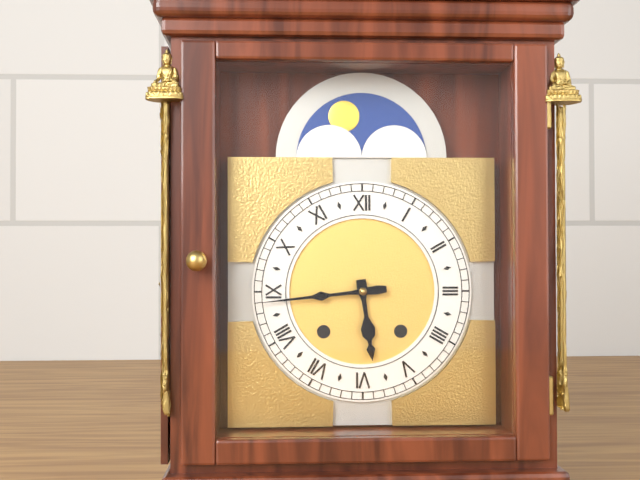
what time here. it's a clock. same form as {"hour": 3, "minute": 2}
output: {"hour": 5, "minute": 44}
